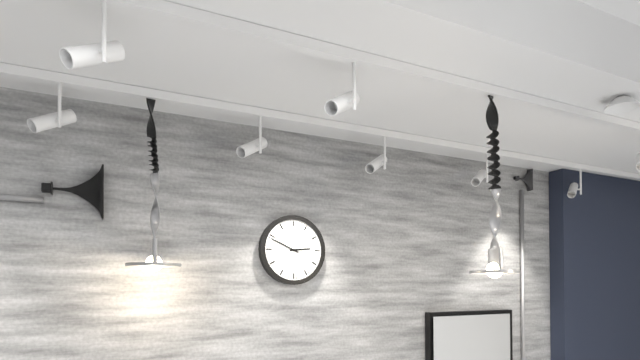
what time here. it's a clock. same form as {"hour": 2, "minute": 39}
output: {"hour": 2, "minute": 49}
